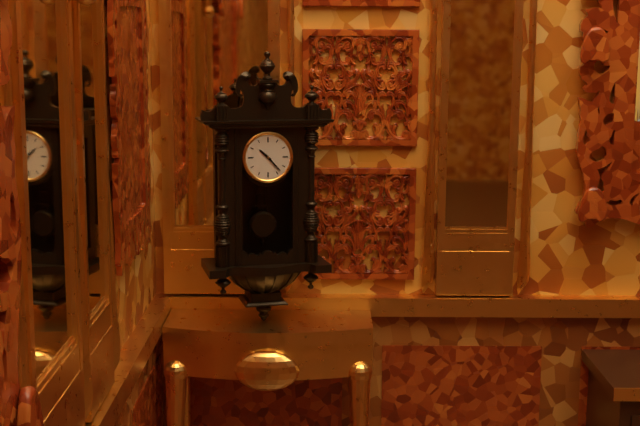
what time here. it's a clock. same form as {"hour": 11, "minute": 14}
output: {"hour": 10, "minute": 23}
